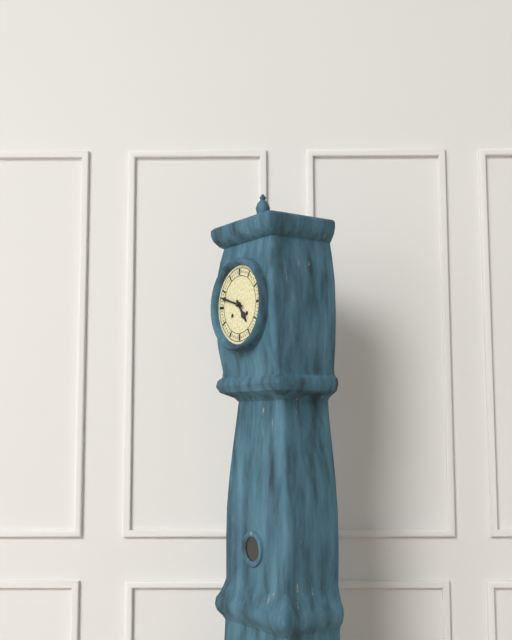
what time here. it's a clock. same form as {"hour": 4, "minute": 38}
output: {"hour": 4, "minute": 48}
